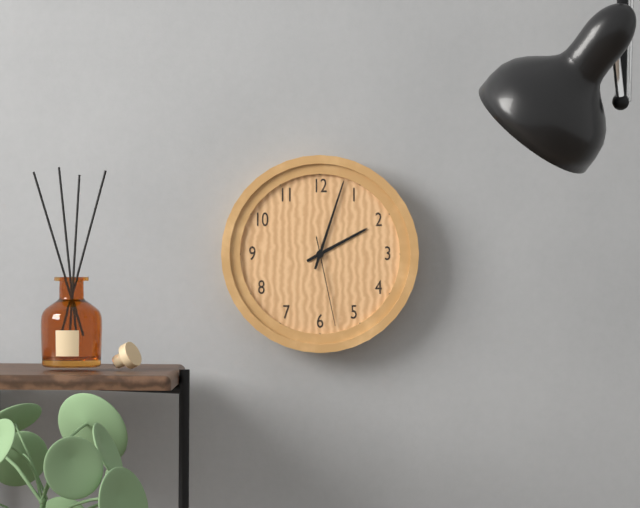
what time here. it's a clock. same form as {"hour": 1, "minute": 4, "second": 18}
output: {"hour": 2, "minute": 3, "second": 28}
